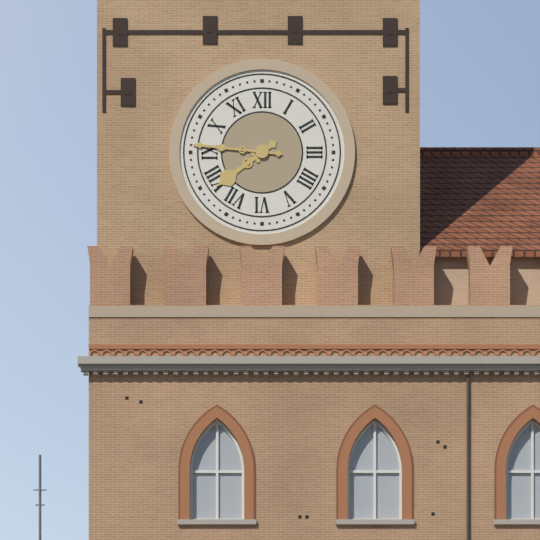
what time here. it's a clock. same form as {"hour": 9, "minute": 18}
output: {"hour": 7, "minute": 46}
